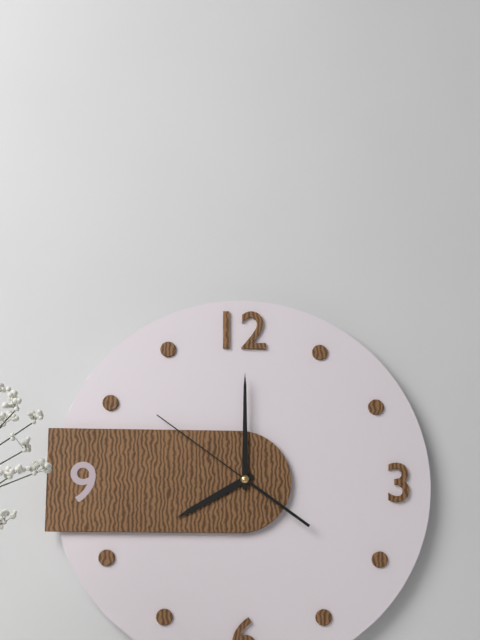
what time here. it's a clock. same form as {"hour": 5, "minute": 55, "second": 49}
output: {"hour": 8, "minute": 0, "second": 51}
